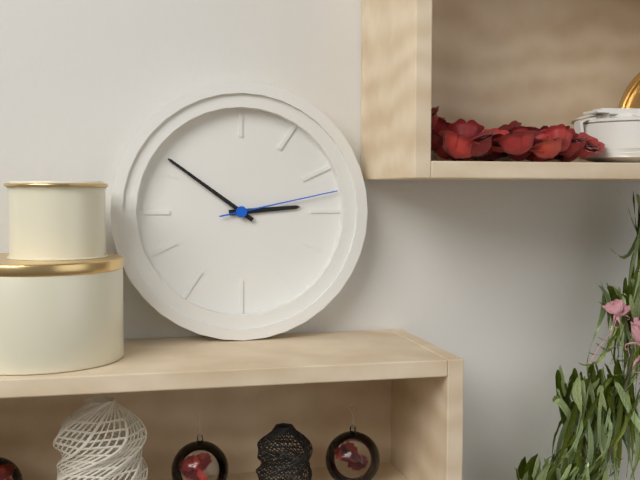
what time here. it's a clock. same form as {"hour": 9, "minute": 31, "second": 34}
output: {"hour": 2, "minute": 51, "second": 13}
